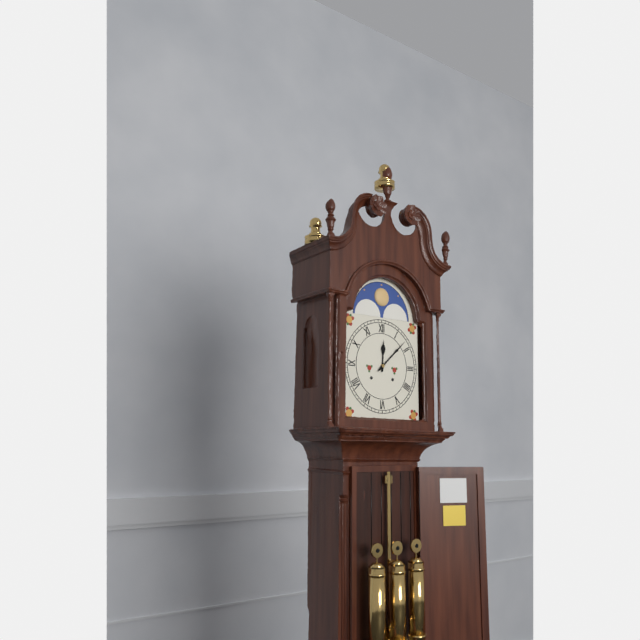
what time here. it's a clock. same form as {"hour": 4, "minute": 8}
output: {"hour": 12, "minute": 8}
